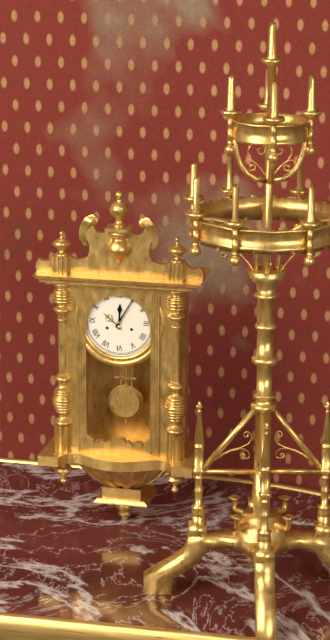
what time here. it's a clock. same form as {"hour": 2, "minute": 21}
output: {"hour": 12, "minute": 5}
